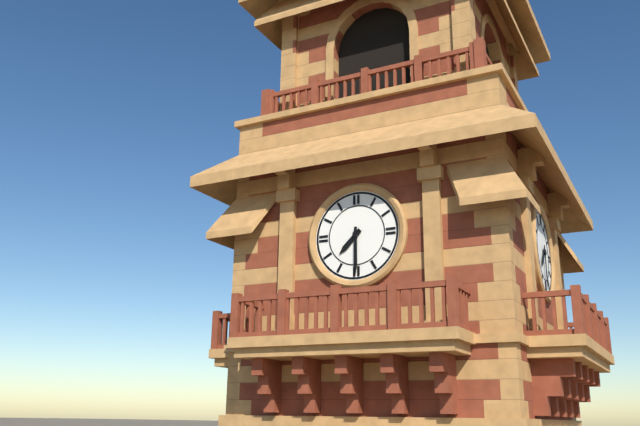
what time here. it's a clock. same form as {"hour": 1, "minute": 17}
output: {"hour": 7, "minute": 30}
